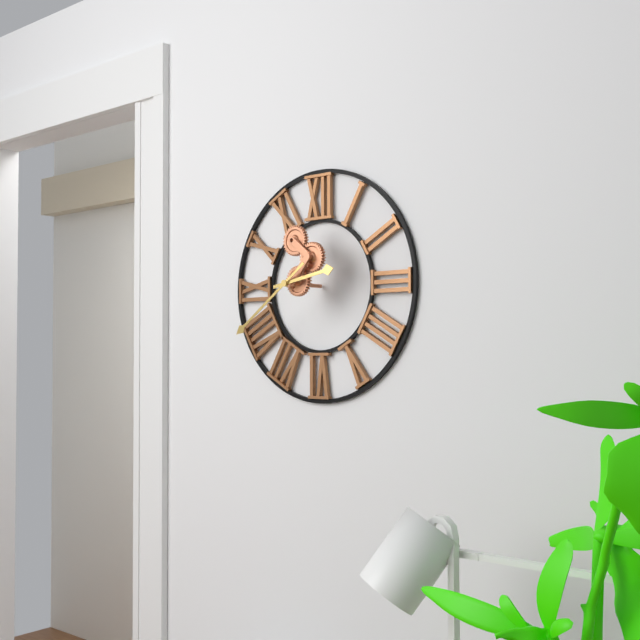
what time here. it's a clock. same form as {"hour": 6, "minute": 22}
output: {"hour": 2, "minute": 39}
